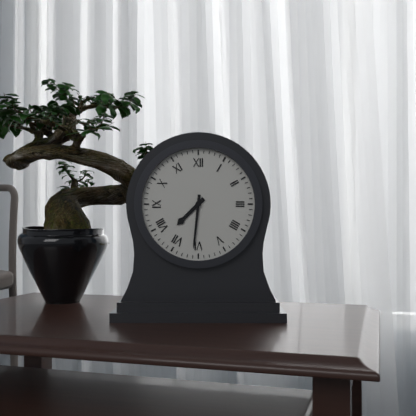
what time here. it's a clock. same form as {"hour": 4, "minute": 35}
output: {"hour": 7, "minute": 31}
